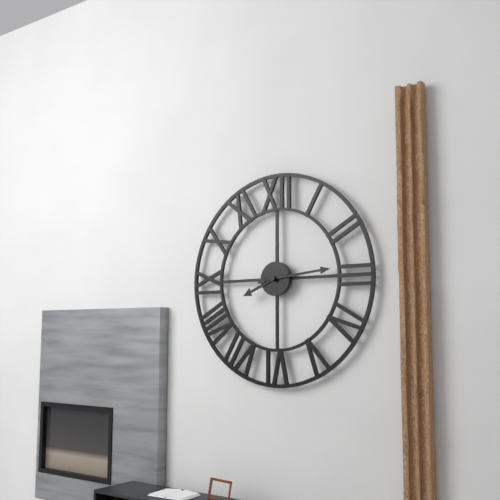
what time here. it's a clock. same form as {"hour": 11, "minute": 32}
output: {"hour": 8, "minute": 14}
